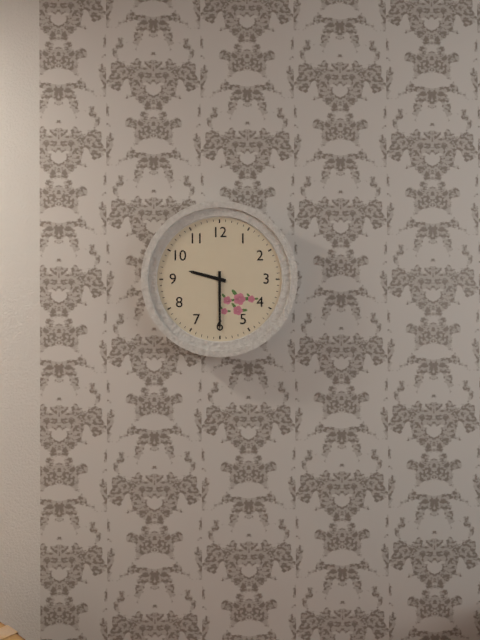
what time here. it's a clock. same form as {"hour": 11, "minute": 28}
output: {"hour": 9, "minute": 30}
